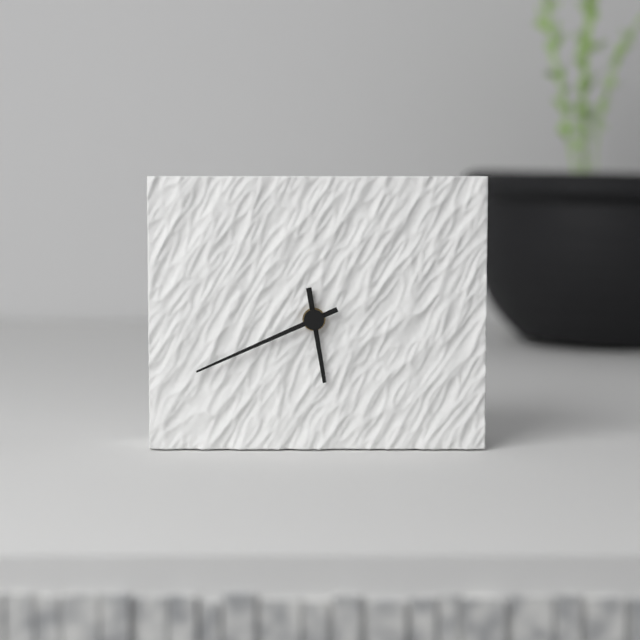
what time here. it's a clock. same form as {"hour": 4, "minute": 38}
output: {"hour": 5, "minute": 41}
